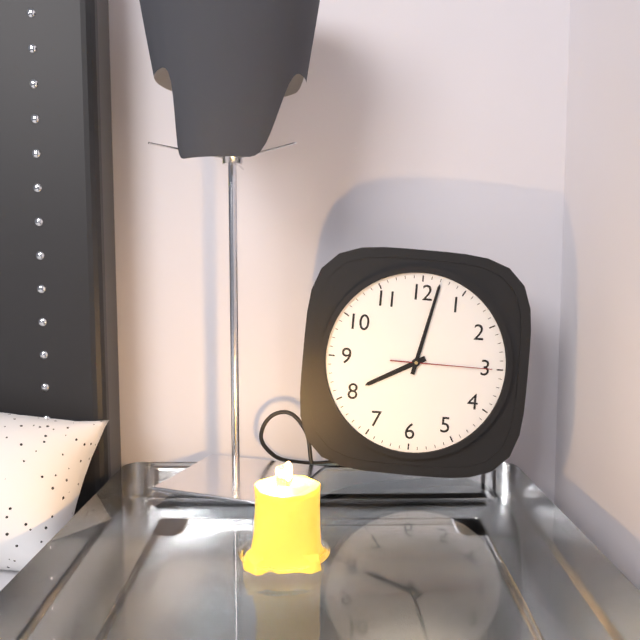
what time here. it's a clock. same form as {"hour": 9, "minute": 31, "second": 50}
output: {"hour": 8, "minute": 2, "second": 15}
